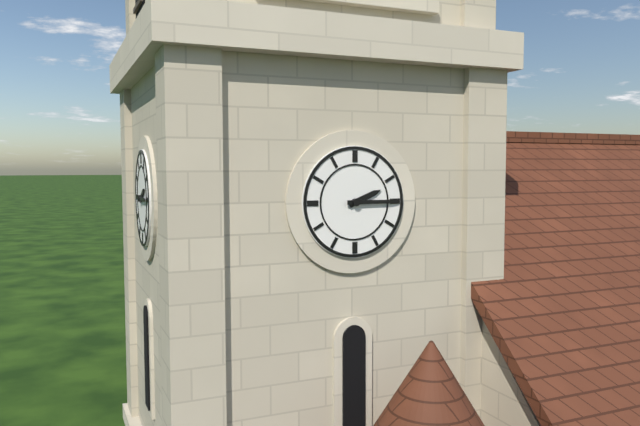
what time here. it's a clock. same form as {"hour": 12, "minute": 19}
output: {"hour": 2, "minute": 15}
